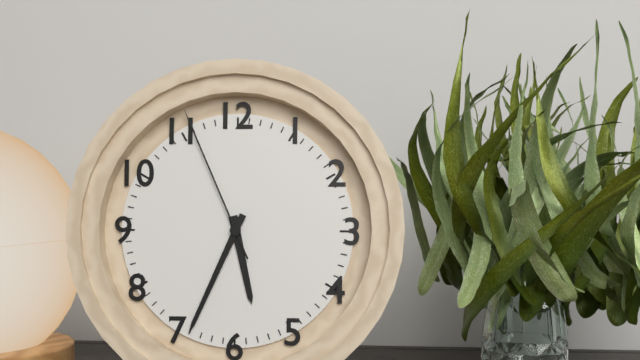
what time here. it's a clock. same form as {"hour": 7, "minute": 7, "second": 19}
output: {"hour": 5, "minute": 34, "second": 56}
